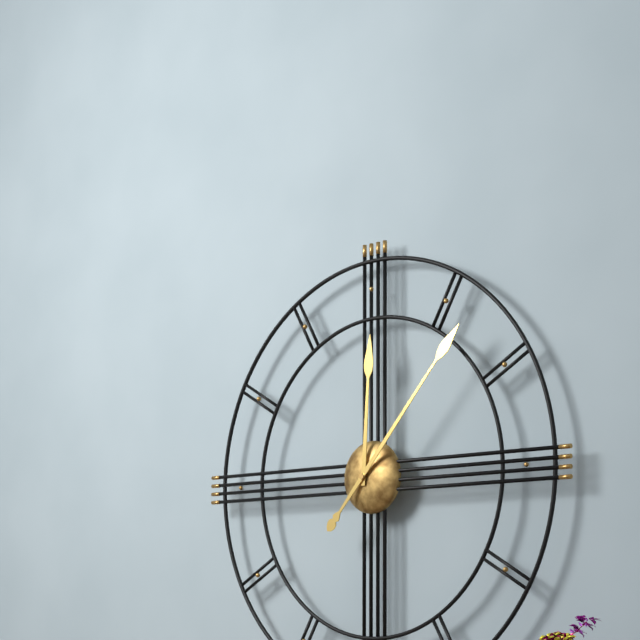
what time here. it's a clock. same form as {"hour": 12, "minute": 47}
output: {"hour": 12, "minute": 7}
